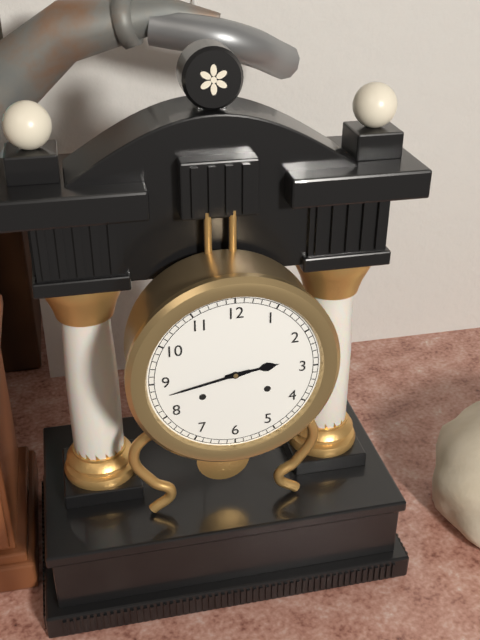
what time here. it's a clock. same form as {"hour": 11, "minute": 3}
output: {"hour": 2, "minute": 43}
